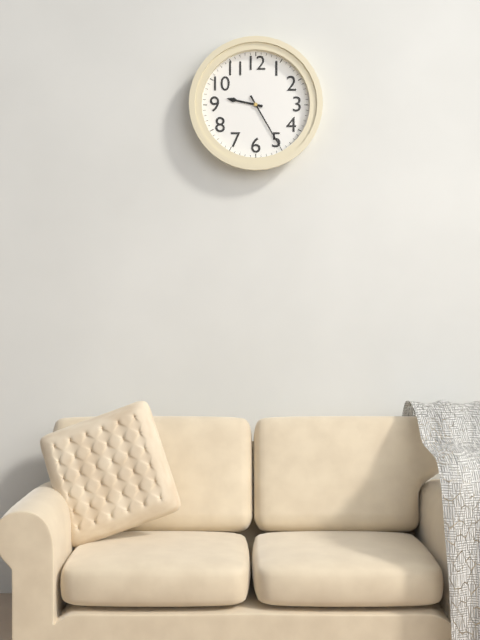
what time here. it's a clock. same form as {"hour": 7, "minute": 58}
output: {"hour": 9, "minute": 25}
